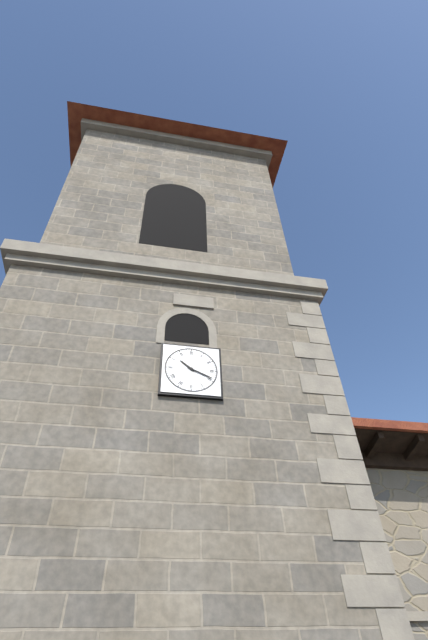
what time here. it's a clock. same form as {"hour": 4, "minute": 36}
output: {"hour": 10, "minute": 19}
